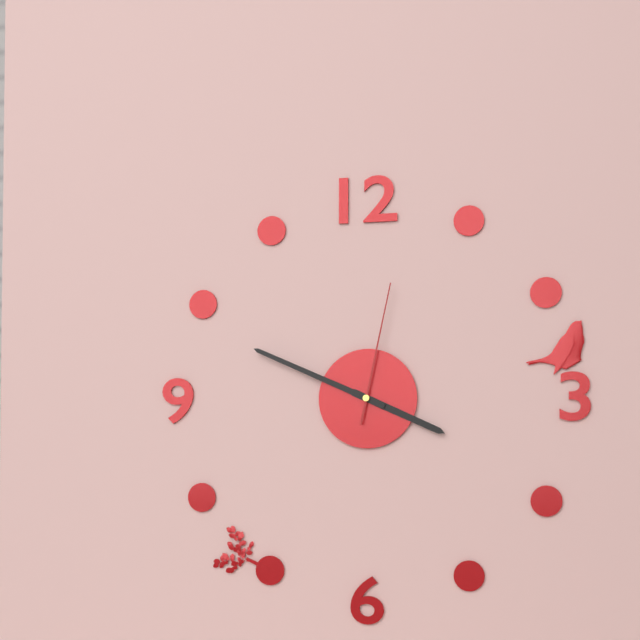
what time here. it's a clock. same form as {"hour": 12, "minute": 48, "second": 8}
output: {"hour": 3, "minute": 49, "second": 2}
